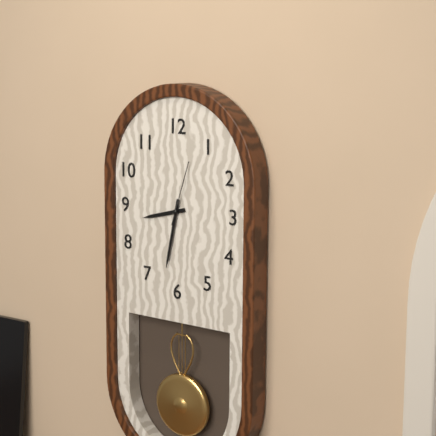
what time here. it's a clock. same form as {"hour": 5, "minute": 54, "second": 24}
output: {"hour": 8, "minute": 32, "second": 3}
